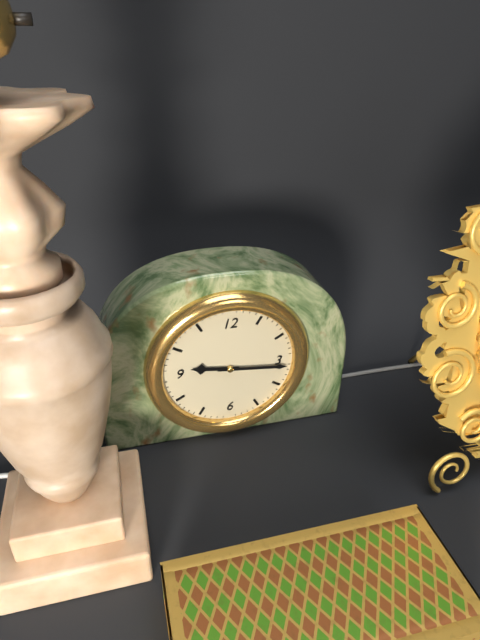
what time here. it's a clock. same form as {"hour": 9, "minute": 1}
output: {"hour": 9, "minute": 16}
